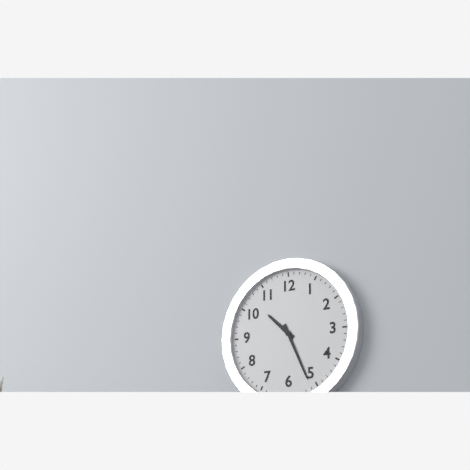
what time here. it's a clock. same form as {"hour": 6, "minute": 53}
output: {"hour": 10, "minute": 26}
